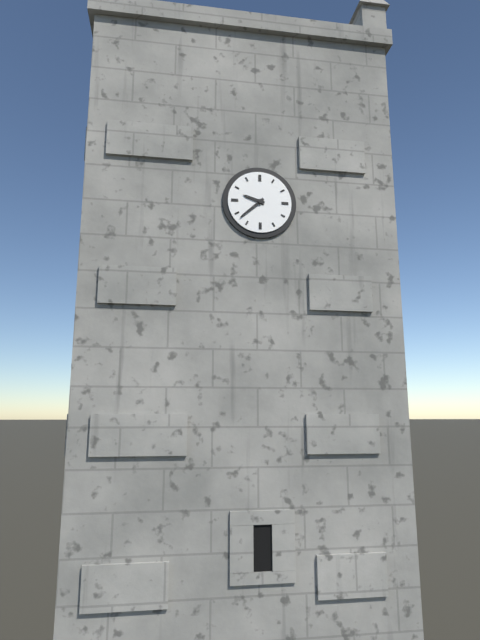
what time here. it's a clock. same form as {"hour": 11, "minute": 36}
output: {"hour": 9, "minute": 38}
